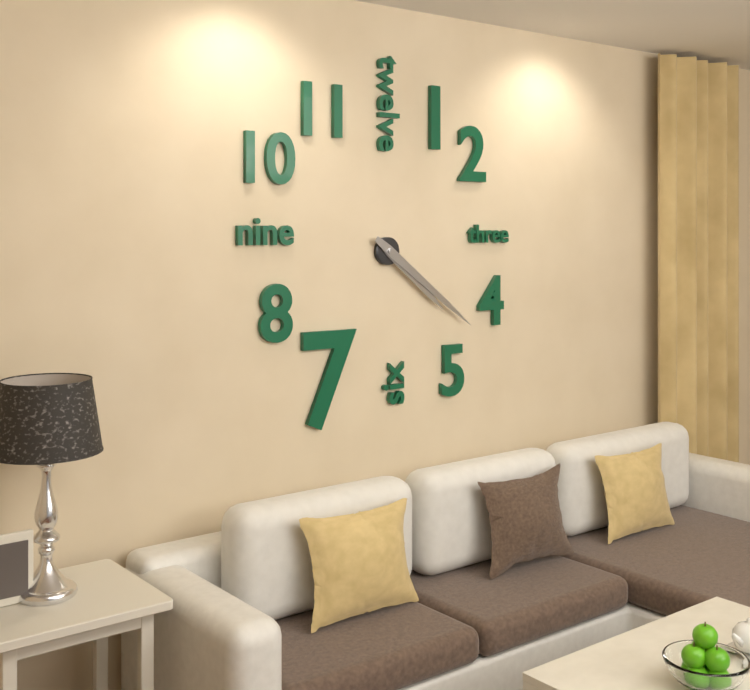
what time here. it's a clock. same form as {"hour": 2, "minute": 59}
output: {"hour": 4, "minute": 21}
